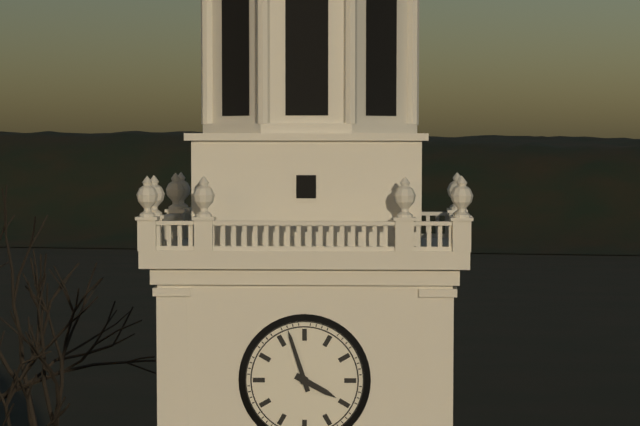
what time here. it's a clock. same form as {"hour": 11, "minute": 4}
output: {"hour": 3, "minute": 57}
